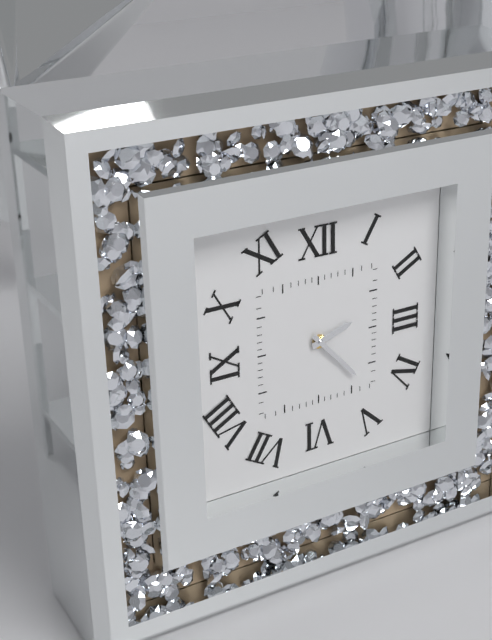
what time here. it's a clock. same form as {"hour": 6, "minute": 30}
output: {"hour": 2, "minute": 23}
